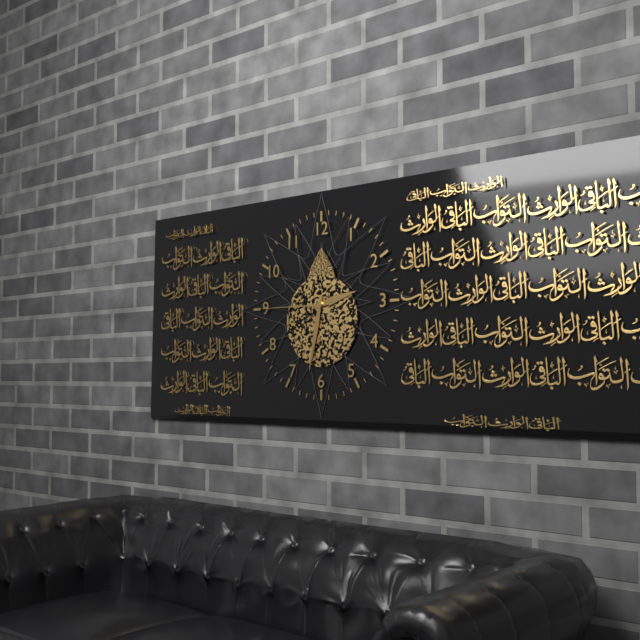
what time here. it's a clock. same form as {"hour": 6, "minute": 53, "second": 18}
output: {"hour": 2, "minute": 32, "second": 45}
